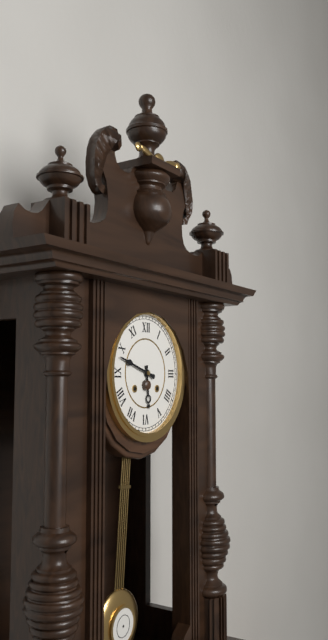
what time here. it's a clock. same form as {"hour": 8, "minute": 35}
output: {"hour": 5, "minute": 48}
